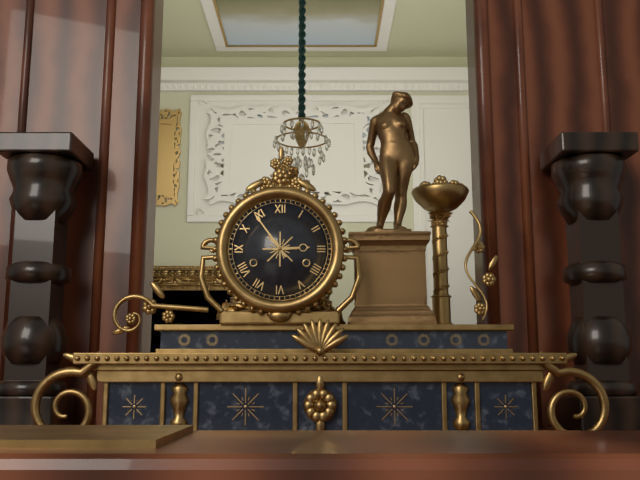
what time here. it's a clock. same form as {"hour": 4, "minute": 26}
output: {"hour": 2, "minute": 54}
